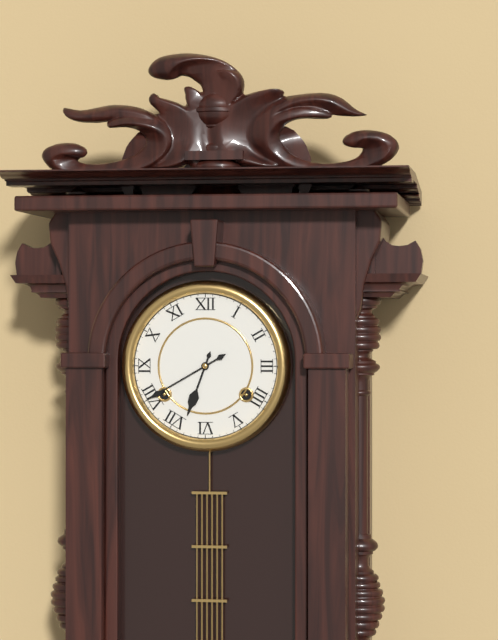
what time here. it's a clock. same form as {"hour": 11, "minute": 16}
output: {"hour": 6, "minute": 40}
